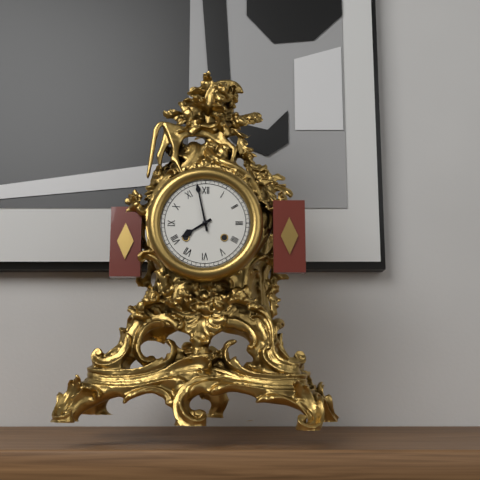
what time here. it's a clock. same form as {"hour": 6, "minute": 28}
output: {"hour": 7, "minute": 58}
